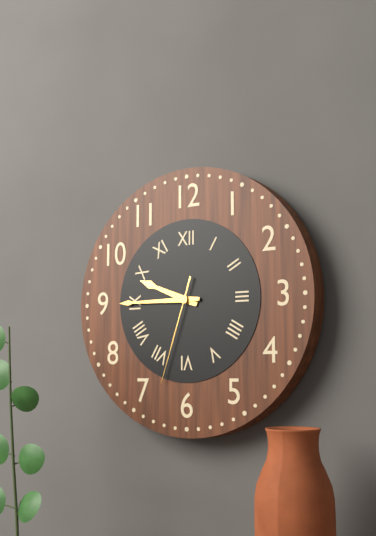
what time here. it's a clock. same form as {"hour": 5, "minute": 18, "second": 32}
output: {"hour": 9, "minute": 45, "second": 33}
